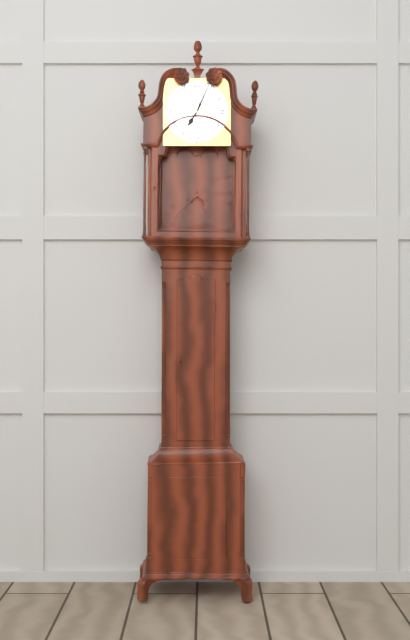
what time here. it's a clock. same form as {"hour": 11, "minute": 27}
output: {"hour": 7, "minute": 4}
